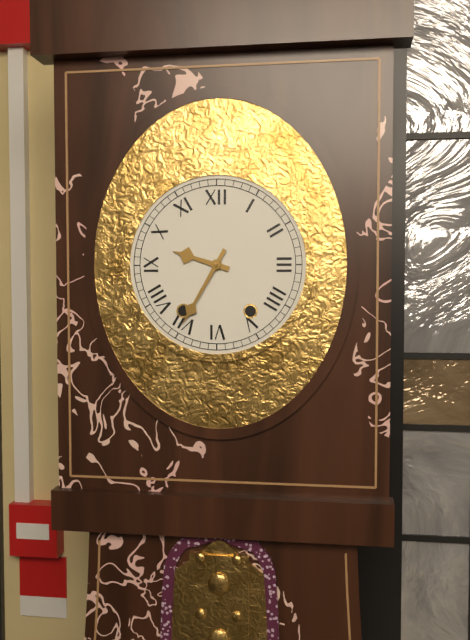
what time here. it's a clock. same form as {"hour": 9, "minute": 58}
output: {"hour": 9, "minute": 35}
